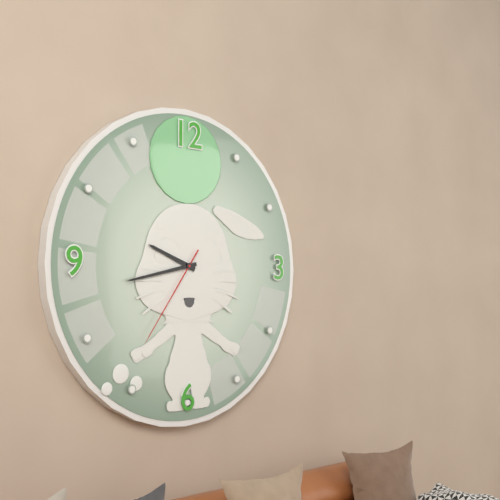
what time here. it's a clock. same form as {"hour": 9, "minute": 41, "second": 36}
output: {"hour": 9, "minute": 43, "second": 36}
